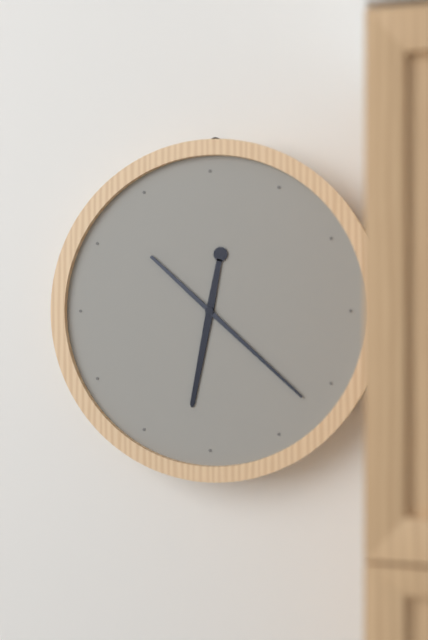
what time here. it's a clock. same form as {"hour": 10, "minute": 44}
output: {"hour": 6, "minute": 22}
